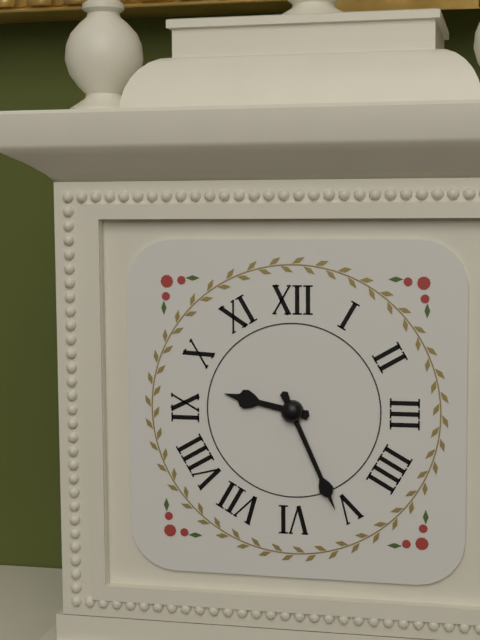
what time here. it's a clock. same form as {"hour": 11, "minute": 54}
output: {"hour": 9, "minute": 26}
